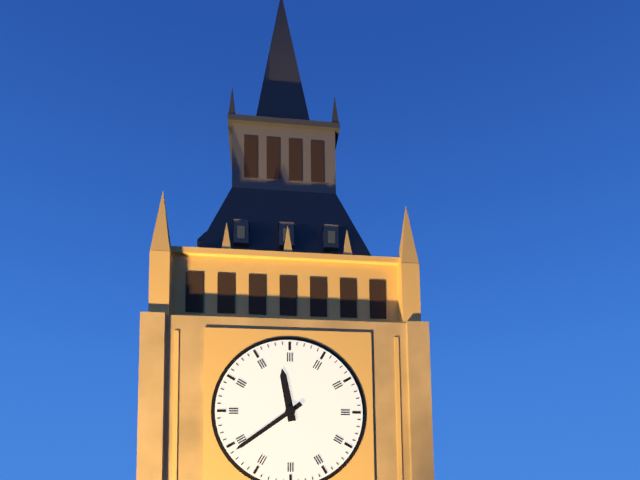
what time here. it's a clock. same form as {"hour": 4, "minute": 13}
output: {"hour": 11, "minute": 39}
